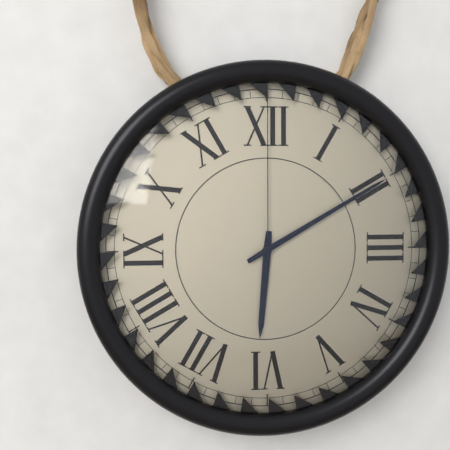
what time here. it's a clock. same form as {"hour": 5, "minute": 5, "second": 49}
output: {"hour": 6, "minute": 10, "second": 0}
